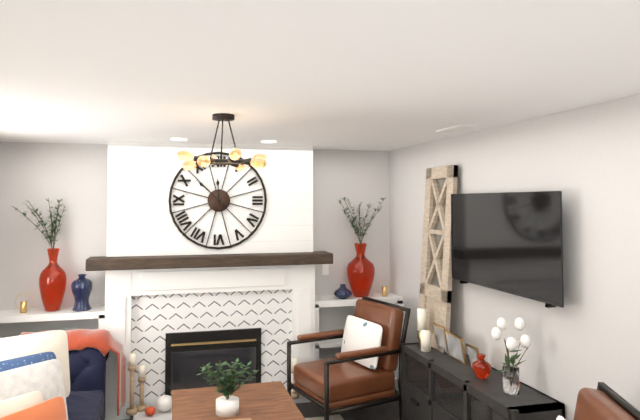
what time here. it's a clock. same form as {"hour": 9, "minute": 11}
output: {"hour": 11, "minute": 52}
